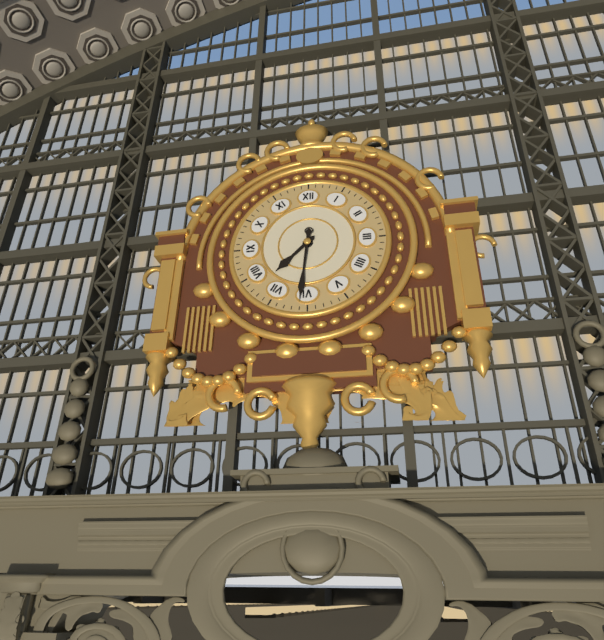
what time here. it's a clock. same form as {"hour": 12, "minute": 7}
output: {"hour": 7, "minute": 31}
